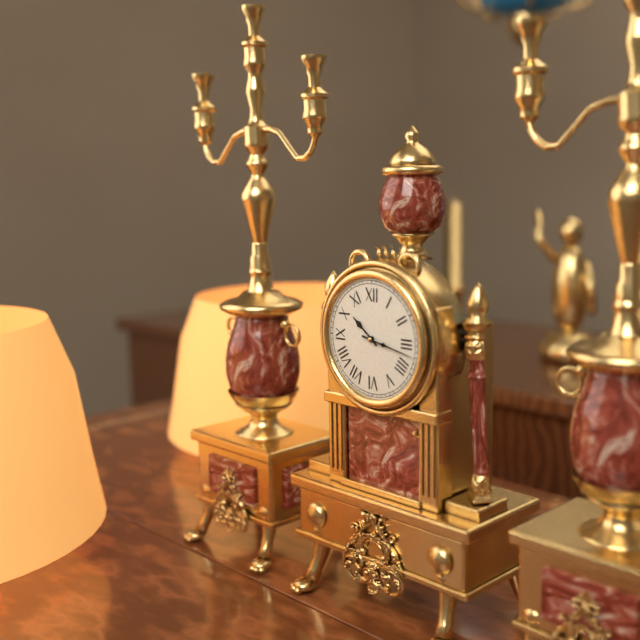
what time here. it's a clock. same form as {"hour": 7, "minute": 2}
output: {"hour": 10, "minute": 17}
